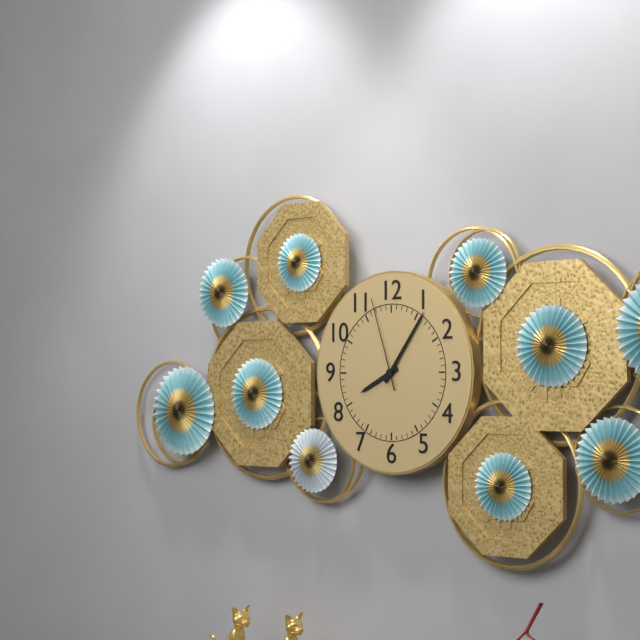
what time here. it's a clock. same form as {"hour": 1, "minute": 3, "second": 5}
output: {"hour": 8, "minute": 6, "second": 57}
